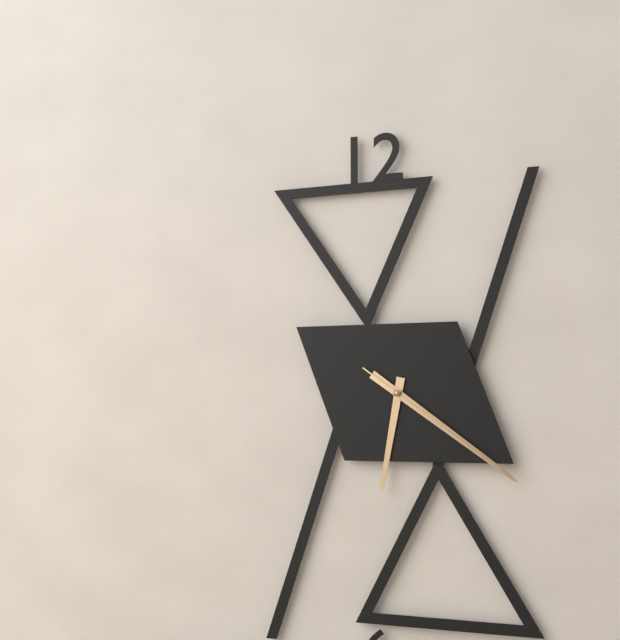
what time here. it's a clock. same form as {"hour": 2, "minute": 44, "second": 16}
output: {"hour": 6, "minute": 21, "second": 21}
